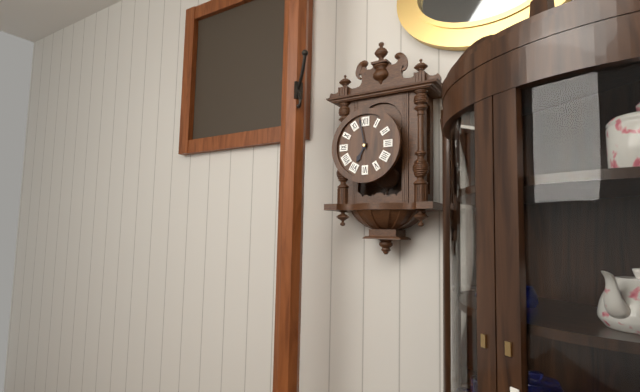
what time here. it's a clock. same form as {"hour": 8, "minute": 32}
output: {"hour": 6, "minute": 58}
